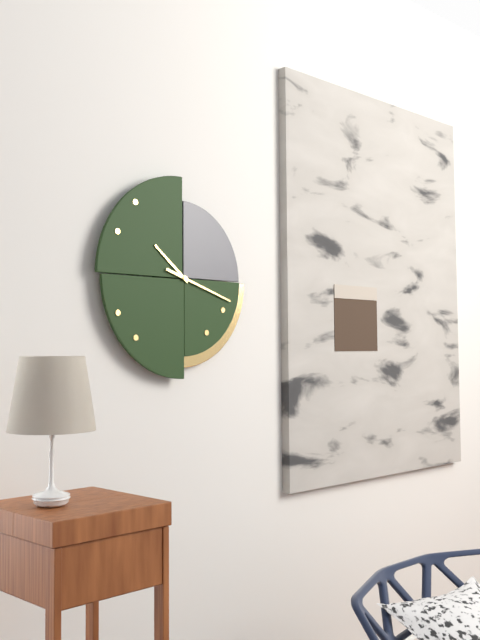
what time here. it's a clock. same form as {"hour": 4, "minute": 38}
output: {"hour": 10, "minute": 18}
